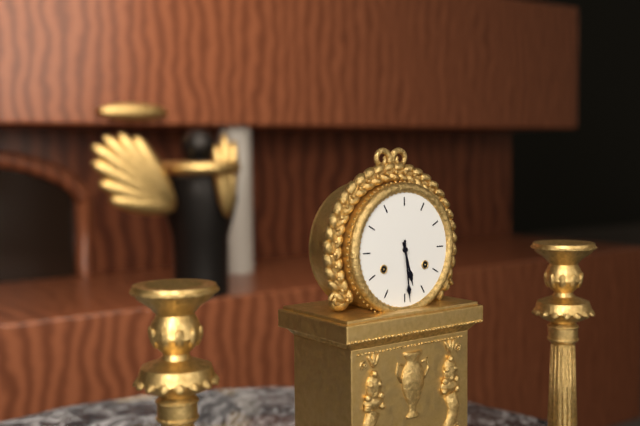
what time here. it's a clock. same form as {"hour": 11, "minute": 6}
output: {"hour": 5, "minute": 29}
